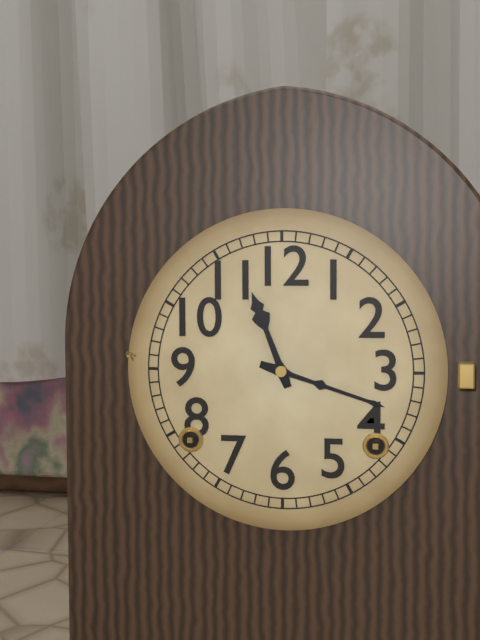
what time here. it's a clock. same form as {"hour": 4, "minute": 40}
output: {"hour": 11, "minute": 18}
